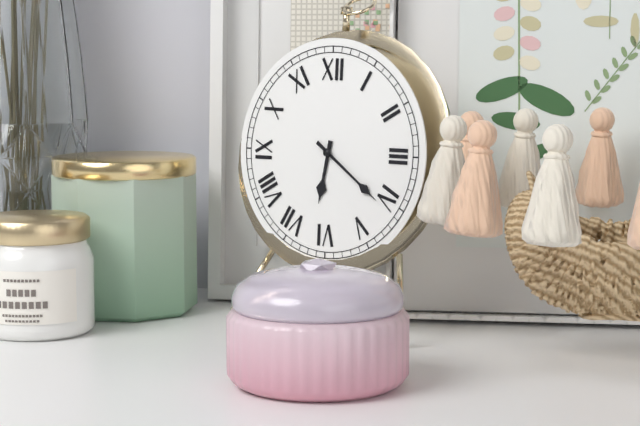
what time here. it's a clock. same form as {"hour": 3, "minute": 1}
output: {"hour": 6, "minute": 21}
